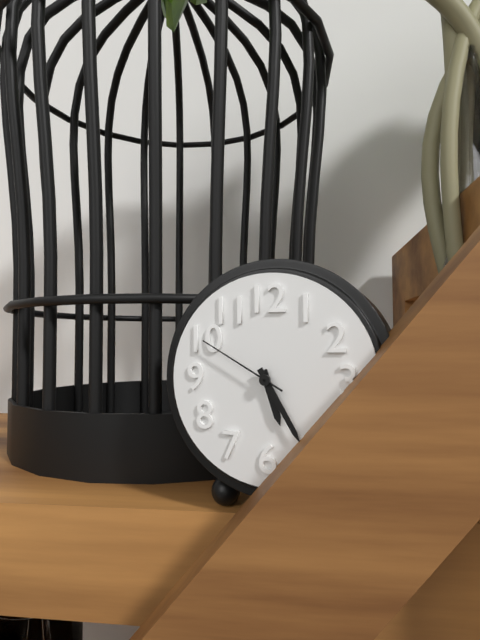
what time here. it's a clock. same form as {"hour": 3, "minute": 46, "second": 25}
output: {"hour": 5, "minute": 25, "second": 50}
